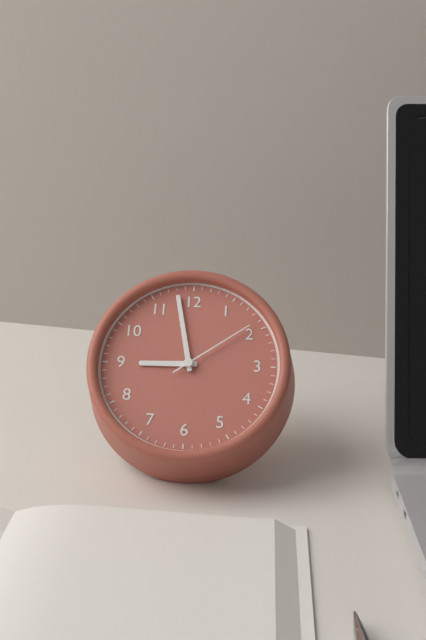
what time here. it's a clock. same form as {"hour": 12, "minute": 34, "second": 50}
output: {"hour": 8, "minute": 58, "second": 9}
